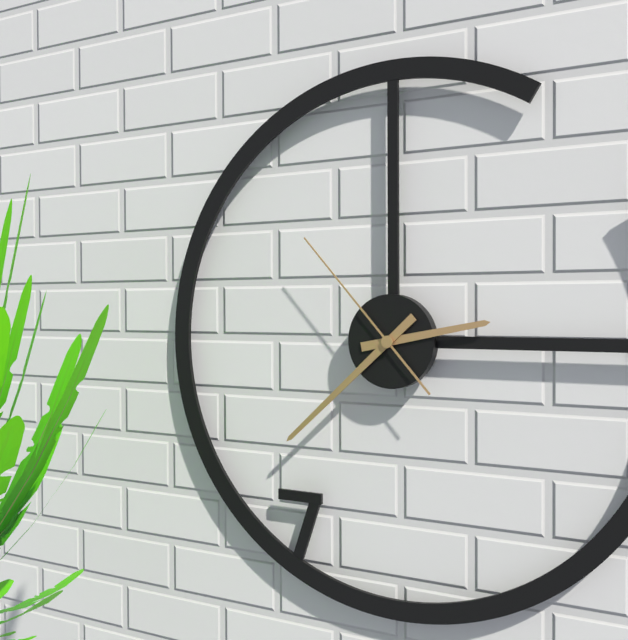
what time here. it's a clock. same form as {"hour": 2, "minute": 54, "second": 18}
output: {"hour": 2, "minute": 38, "second": 53}
